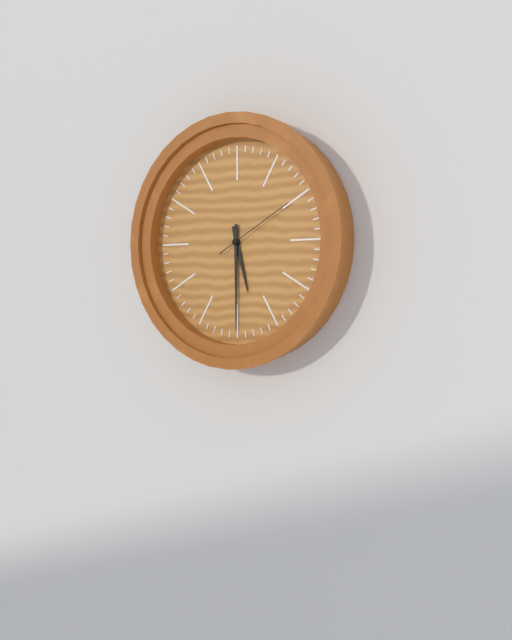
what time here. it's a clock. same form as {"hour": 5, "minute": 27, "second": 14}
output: {"hour": 5, "minute": 30, "second": 10}
